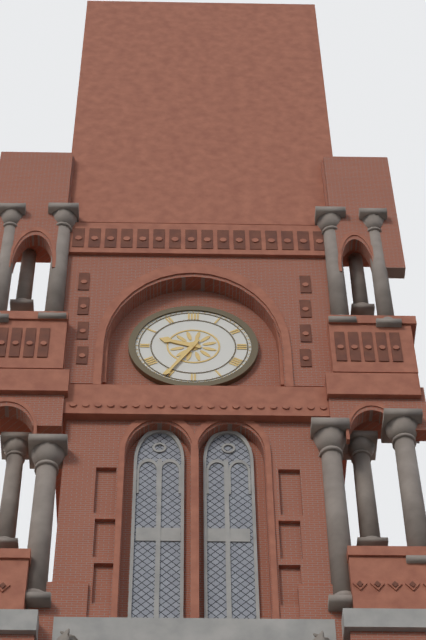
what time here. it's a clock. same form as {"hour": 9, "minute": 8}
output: {"hour": 9, "minute": 35}
